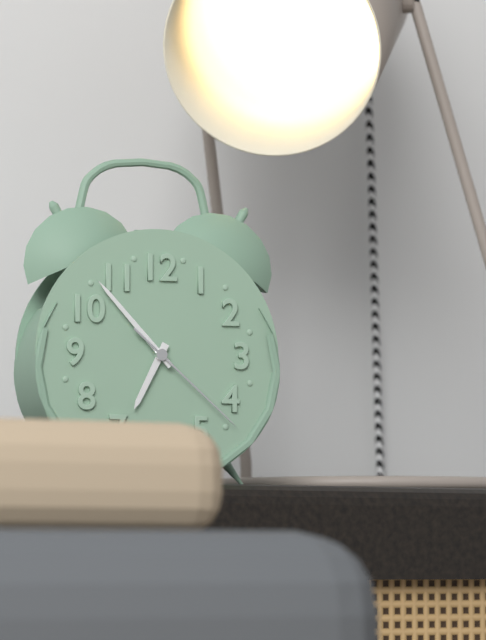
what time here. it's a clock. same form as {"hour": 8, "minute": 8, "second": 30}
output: {"hour": 6, "minute": 53, "second": 22}
